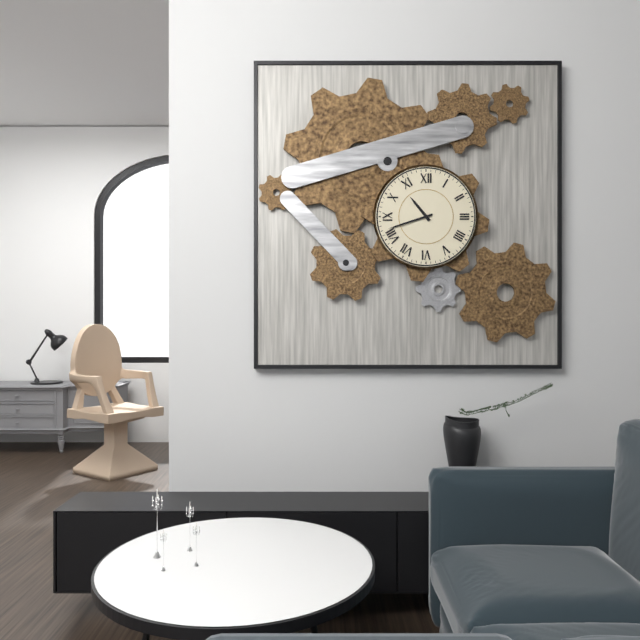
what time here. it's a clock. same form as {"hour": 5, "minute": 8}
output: {"hour": 10, "minute": 42}
